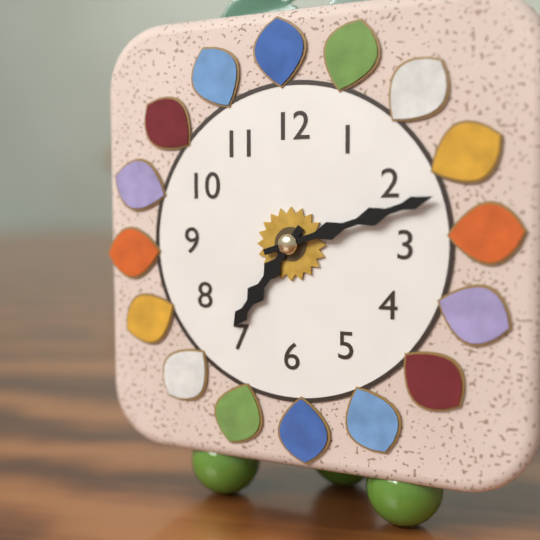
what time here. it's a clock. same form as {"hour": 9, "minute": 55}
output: {"hour": 7, "minute": 12}
